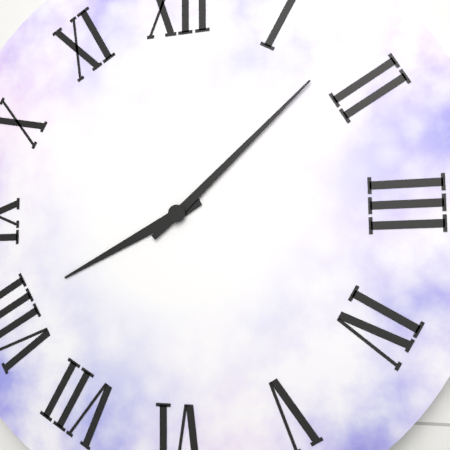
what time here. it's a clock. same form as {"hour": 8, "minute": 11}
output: {"hour": 8, "minute": 8}
